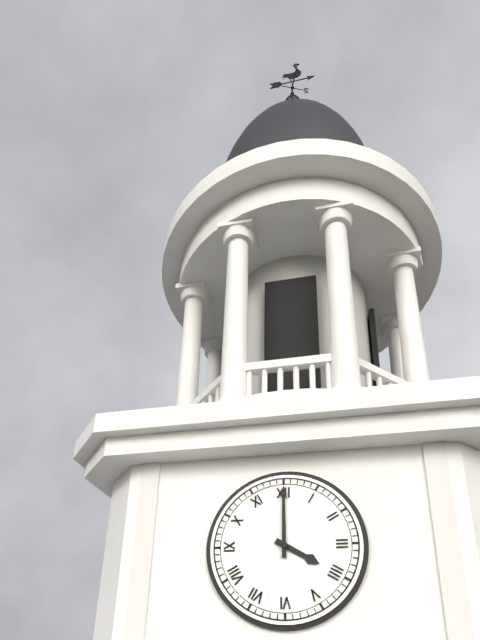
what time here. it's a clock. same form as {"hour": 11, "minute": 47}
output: {"hour": 4, "minute": 0}
